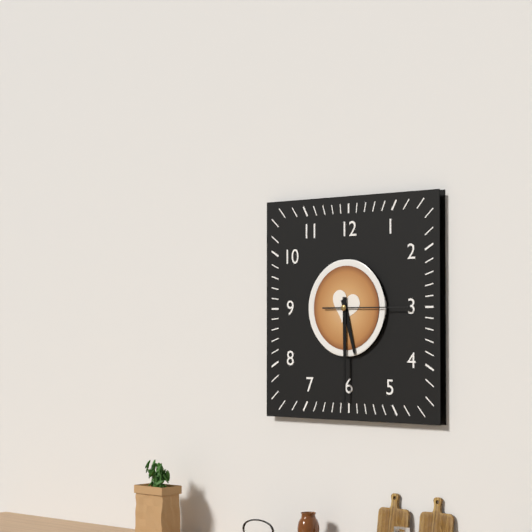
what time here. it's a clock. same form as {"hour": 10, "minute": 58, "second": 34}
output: {"hour": 5, "minute": 30, "second": 15}
